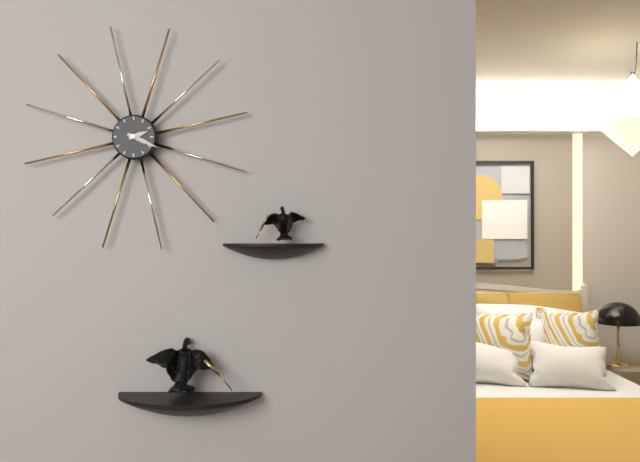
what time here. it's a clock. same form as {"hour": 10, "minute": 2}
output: {"hour": 2, "minute": 19}
